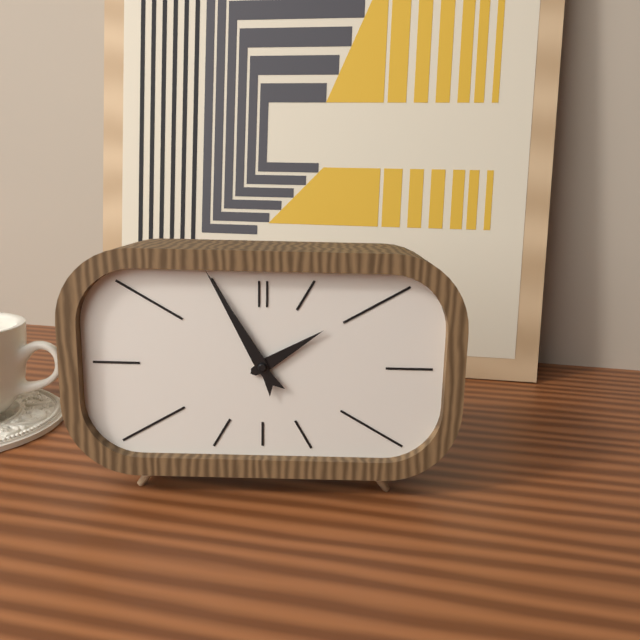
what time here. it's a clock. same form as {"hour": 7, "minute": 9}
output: {"hour": 1, "minute": 55}
